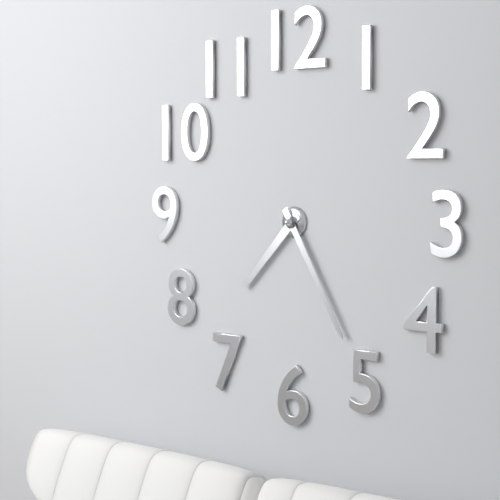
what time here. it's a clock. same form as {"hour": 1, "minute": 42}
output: {"hour": 7, "minute": 25}
